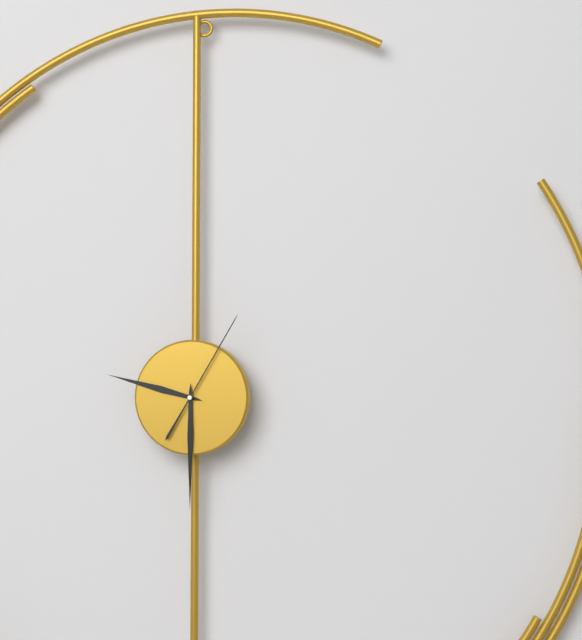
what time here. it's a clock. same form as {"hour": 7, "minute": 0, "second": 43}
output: {"hour": 9, "minute": 30, "second": 5}
